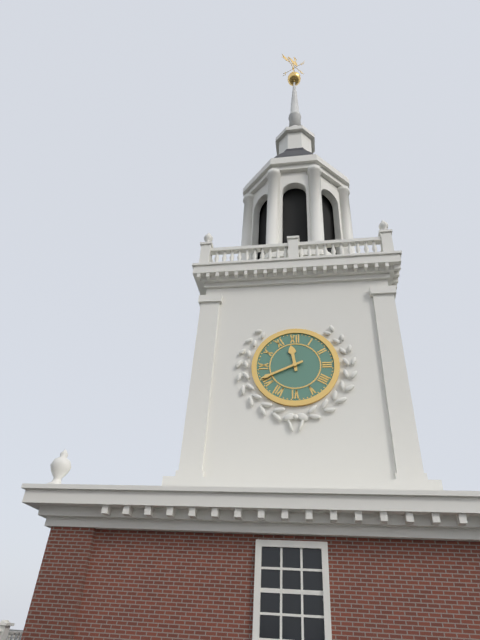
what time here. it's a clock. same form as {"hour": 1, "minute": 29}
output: {"hour": 11, "minute": 41}
